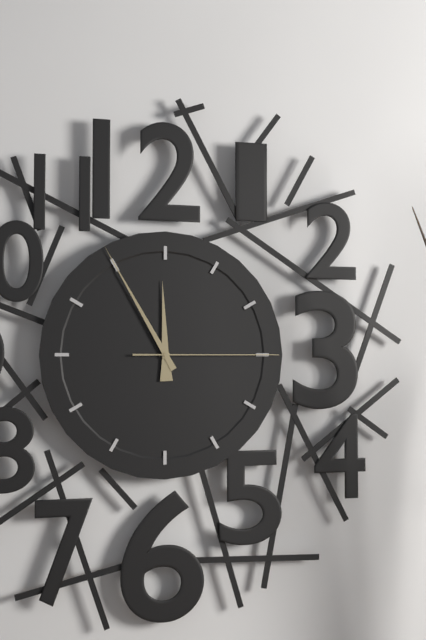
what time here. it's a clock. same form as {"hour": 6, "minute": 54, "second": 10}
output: {"hour": 11, "minute": 55, "second": 15}
